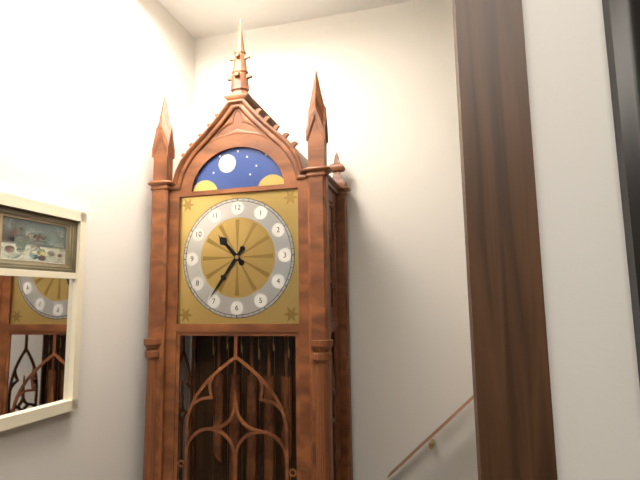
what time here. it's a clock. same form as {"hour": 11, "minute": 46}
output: {"hour": 10, "minute": 36}
